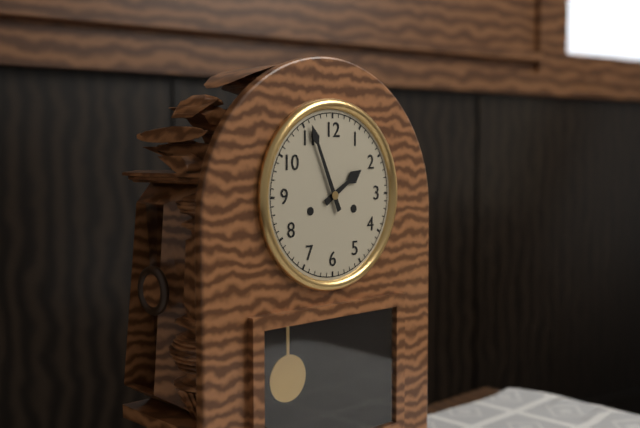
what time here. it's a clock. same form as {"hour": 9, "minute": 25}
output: {"hour": 1, "minute": 56}
